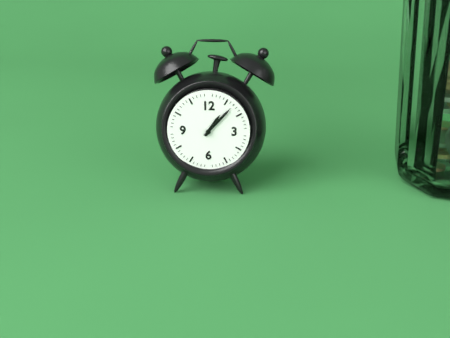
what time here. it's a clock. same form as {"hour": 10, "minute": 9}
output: {"hour": 1, "minute": 7}
